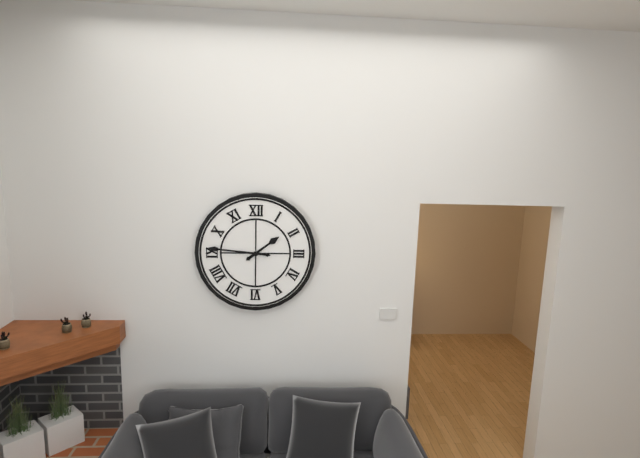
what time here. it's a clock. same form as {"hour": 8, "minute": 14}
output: {"hour": 1, "minute": 46}
